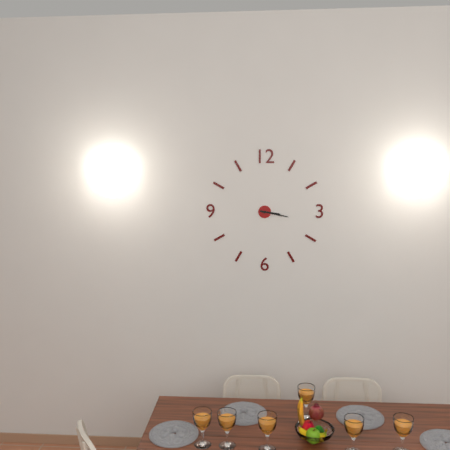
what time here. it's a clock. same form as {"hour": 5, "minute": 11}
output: {"hour": 3, "minute": 17}
